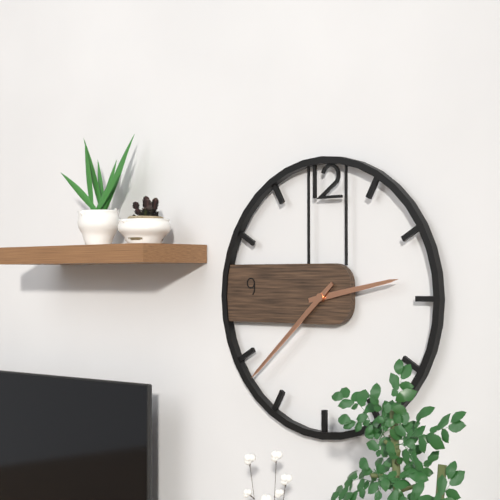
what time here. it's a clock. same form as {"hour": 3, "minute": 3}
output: {"hour": 2, "minute": 38}
